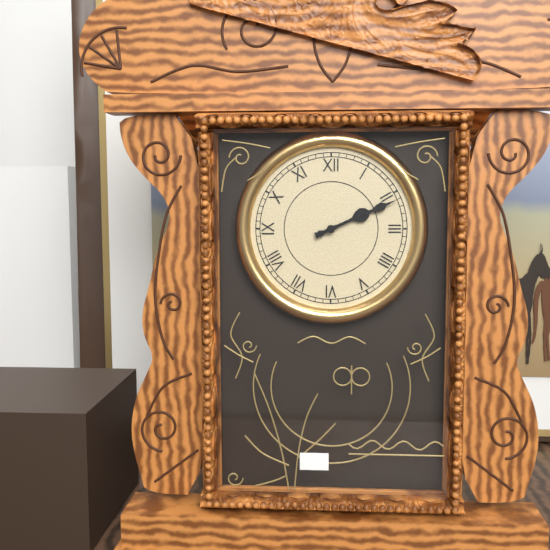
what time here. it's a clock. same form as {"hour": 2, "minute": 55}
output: {"hour": 2, "minute": 11}
